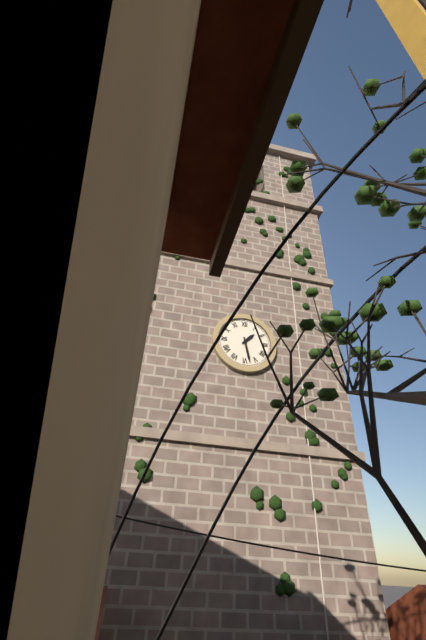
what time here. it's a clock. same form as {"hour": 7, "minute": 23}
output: {"hour": 1, "minute": 28}
